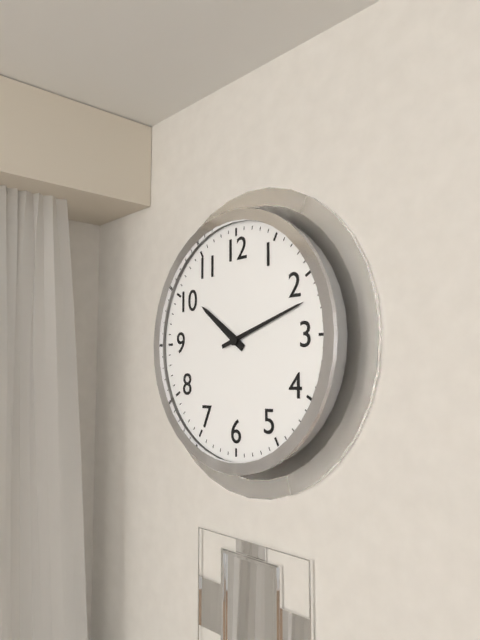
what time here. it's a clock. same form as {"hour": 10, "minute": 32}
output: {"hour": 10, "minute": 12}
